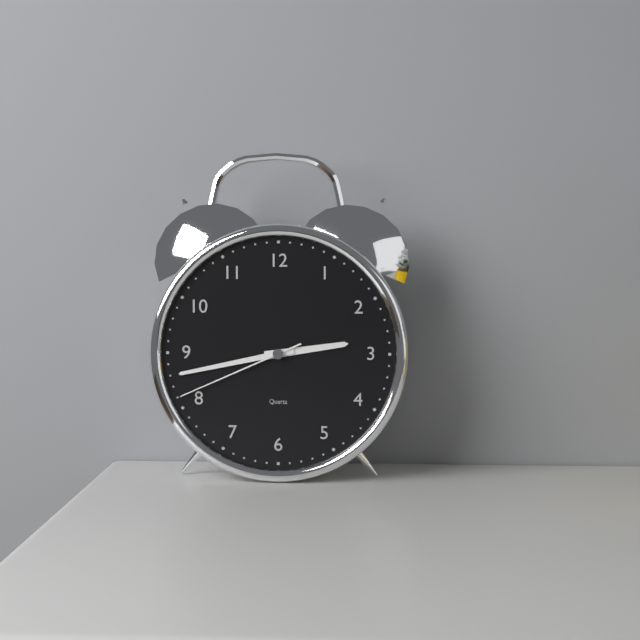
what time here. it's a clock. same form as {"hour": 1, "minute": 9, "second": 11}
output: {"hour": 2, "minute": 43, "second": 41}
